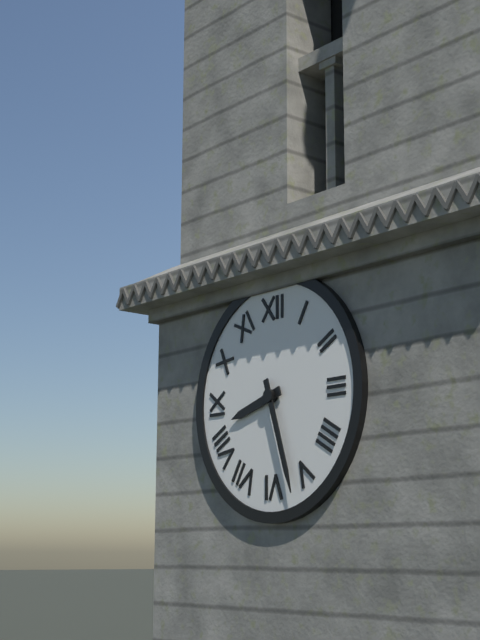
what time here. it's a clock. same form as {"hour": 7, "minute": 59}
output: {"hour": 8, "minute": 27}
